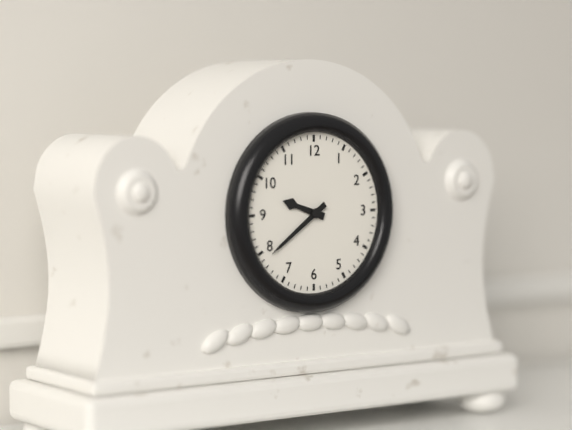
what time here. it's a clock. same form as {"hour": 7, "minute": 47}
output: {"hour": 9, "minute": 39}
